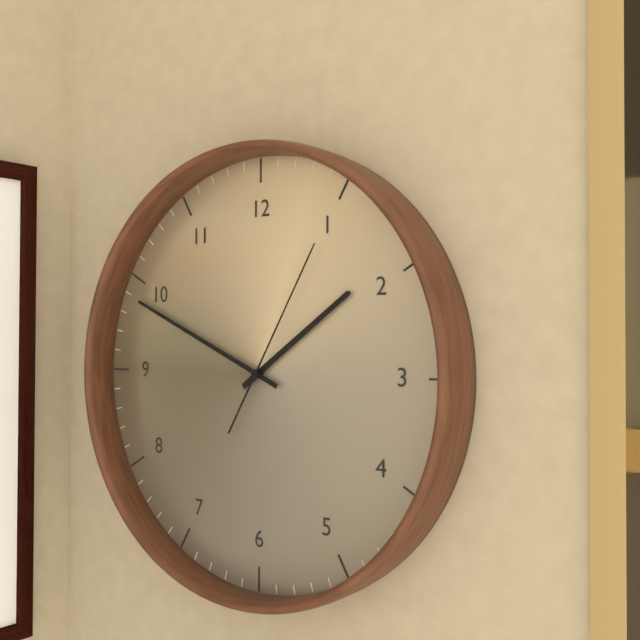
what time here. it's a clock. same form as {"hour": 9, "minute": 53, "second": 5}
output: {"hour": 1, "minute": 49, "second": 5}
